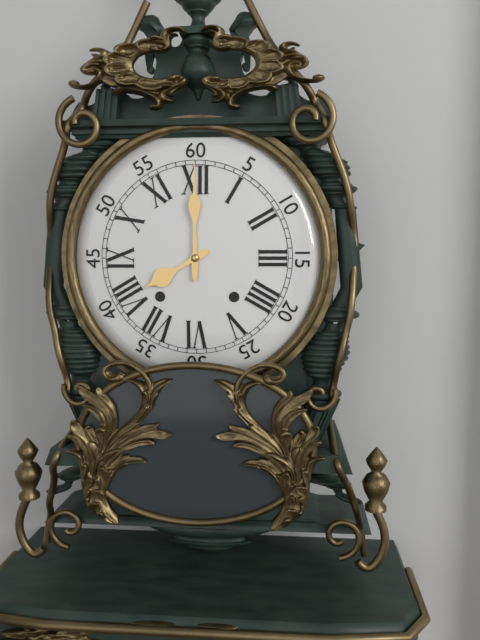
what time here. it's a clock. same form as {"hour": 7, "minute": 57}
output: {"hour": 8, "minute": 0}
